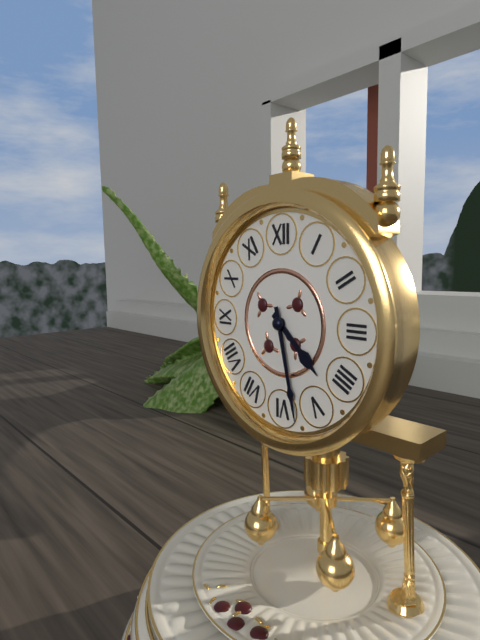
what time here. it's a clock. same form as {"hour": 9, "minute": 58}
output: {"hour": 4, "minute": 28}
